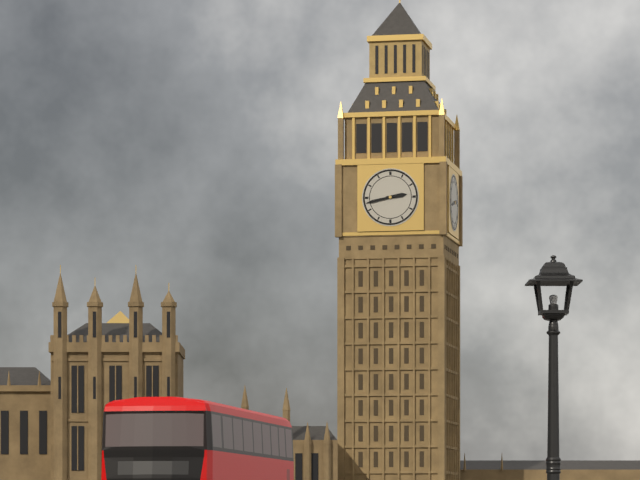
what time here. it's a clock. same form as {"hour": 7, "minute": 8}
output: {"hour": 2, "minute": 43}
